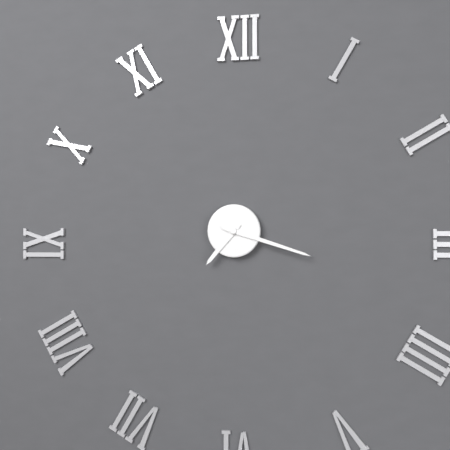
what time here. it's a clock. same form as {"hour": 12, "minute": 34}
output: {"hour": 7, "minute": 18}
